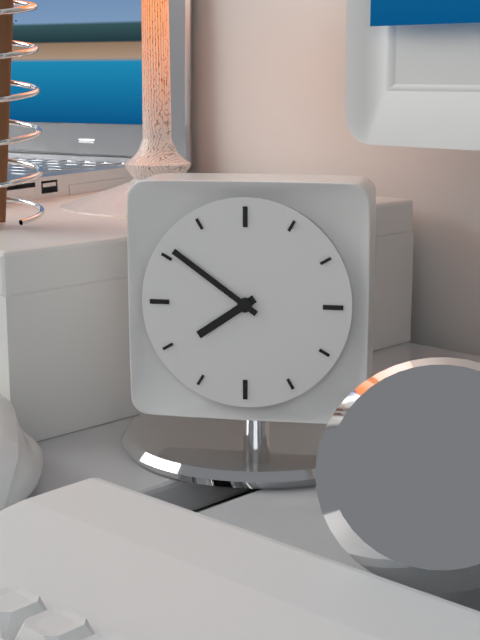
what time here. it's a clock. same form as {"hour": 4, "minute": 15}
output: {"hour": 7, "minute": 51}
